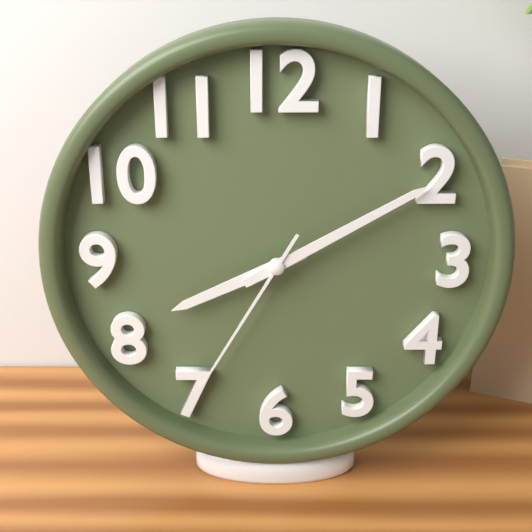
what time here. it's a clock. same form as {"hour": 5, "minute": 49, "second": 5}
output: {"hour": 8, "minute": 10, "second": 35}
